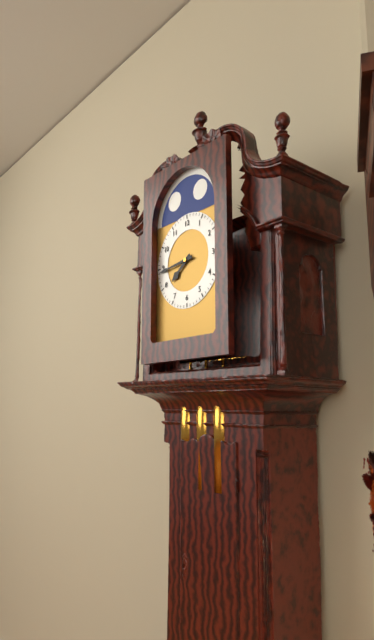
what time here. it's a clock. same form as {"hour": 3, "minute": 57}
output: {"hour": 7, "minute": 44}
